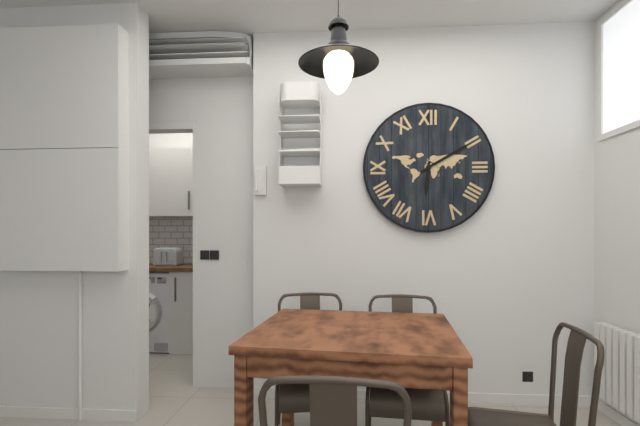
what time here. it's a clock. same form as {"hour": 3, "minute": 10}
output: {"hour": 6, "minute": 10}
